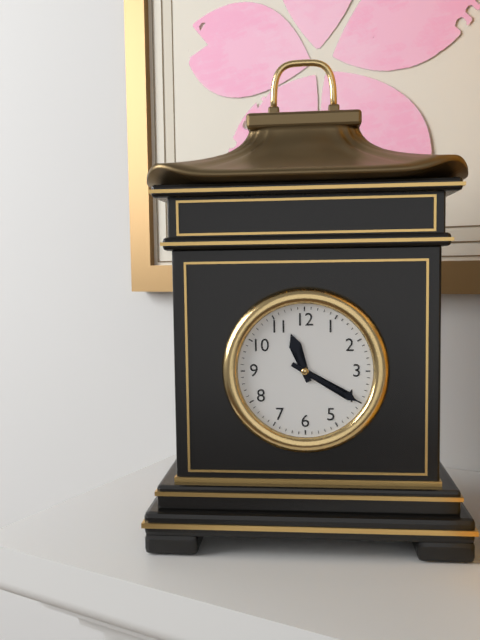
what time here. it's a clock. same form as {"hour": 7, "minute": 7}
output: {"hour": 11, "minute": 20}
